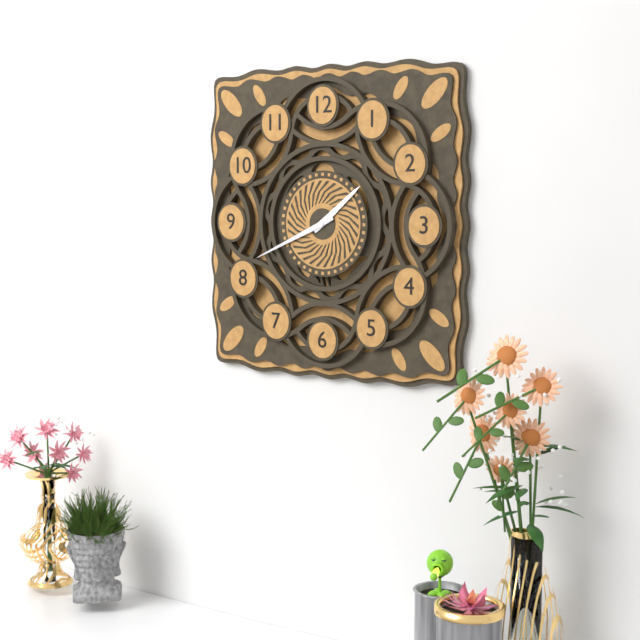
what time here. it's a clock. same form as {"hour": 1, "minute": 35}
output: {"hour": 1, "minute": 41}
